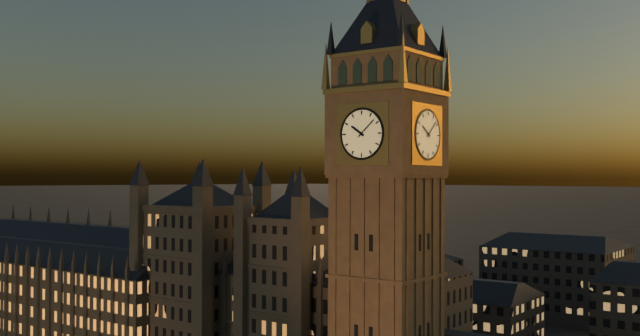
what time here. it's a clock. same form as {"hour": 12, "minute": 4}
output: {"hour": 10, "minute": 8}
